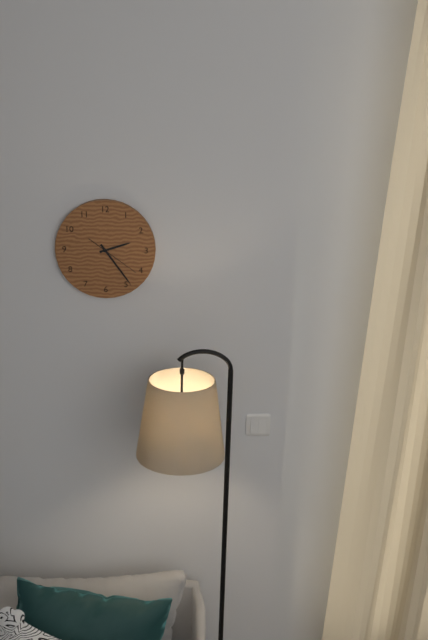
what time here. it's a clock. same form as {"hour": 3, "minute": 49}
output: {"hour": 2, "minute": 24}
